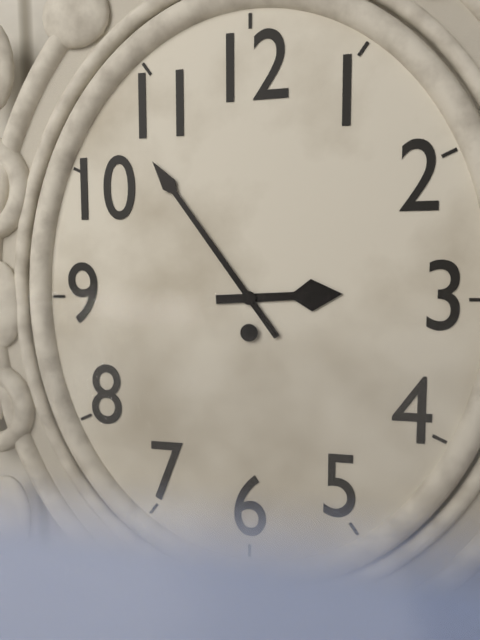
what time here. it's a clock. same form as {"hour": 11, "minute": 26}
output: {"hour": 2, "minute": 54}
